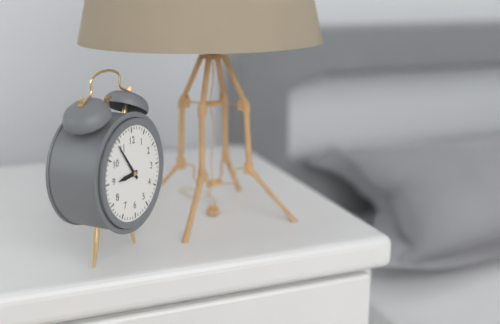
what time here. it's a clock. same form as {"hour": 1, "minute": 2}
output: {"hour": 8, "minute": 54}
